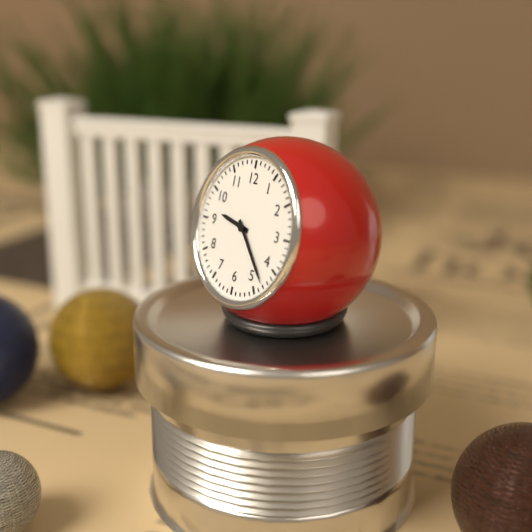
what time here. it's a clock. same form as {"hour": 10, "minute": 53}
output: {"hour": 9, "minute": 23}
